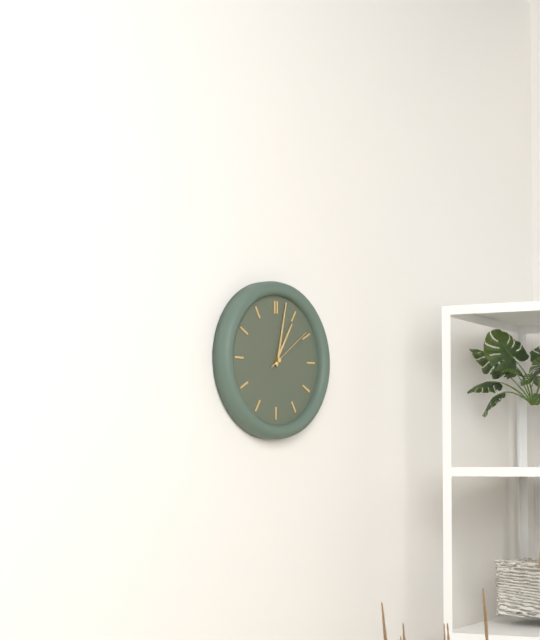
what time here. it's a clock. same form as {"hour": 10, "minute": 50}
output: {"hour": 1, "minute": 2}
